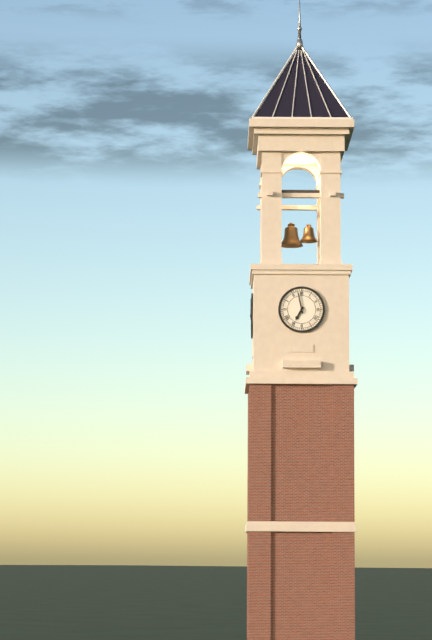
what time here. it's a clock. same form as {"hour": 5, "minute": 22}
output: {"hour": 6, "minute": 58}
